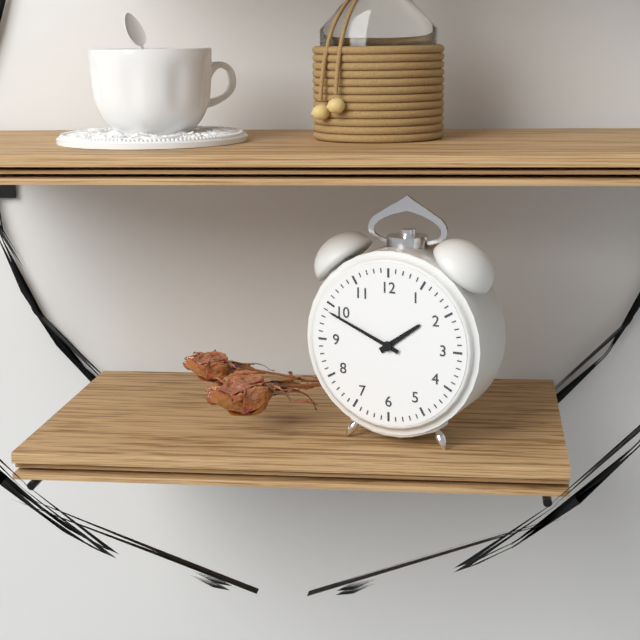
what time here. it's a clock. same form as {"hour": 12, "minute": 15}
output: {"hour": 1, "minute": 49}
